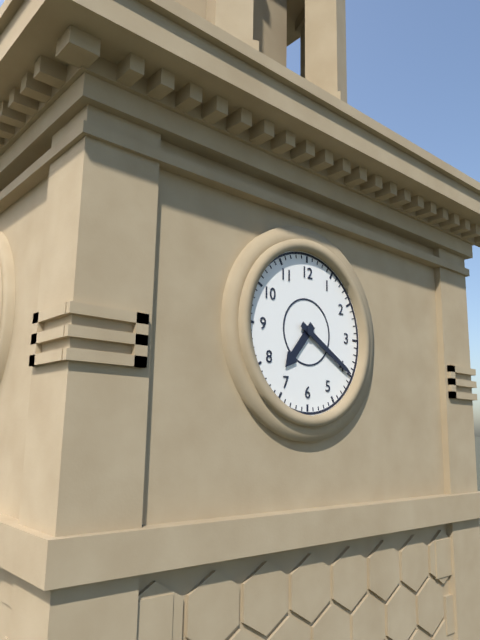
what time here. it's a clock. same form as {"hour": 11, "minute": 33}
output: {"hour": 7, "minute": 20}
